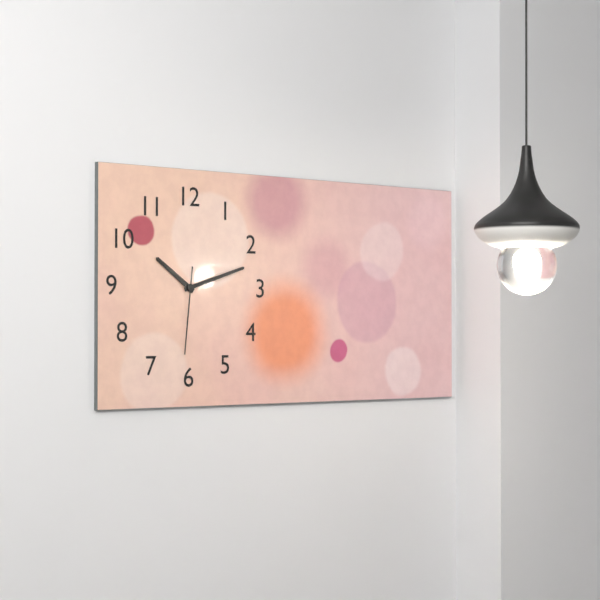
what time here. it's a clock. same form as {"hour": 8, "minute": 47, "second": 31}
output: {"hour": 10, "minute": 12, "second": 31}
